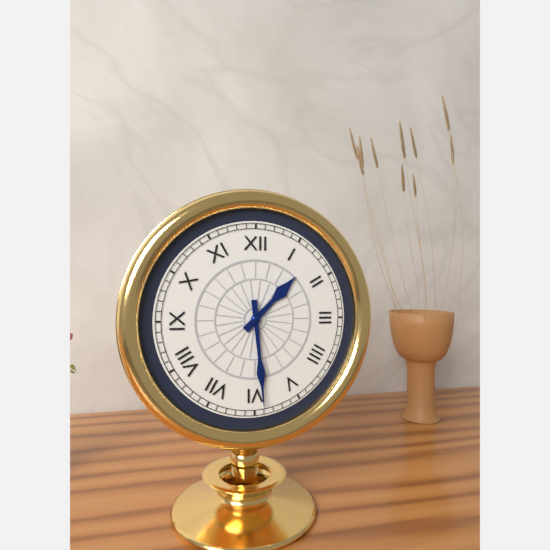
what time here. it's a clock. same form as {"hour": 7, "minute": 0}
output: {"hour": 1, "minute": 29}
